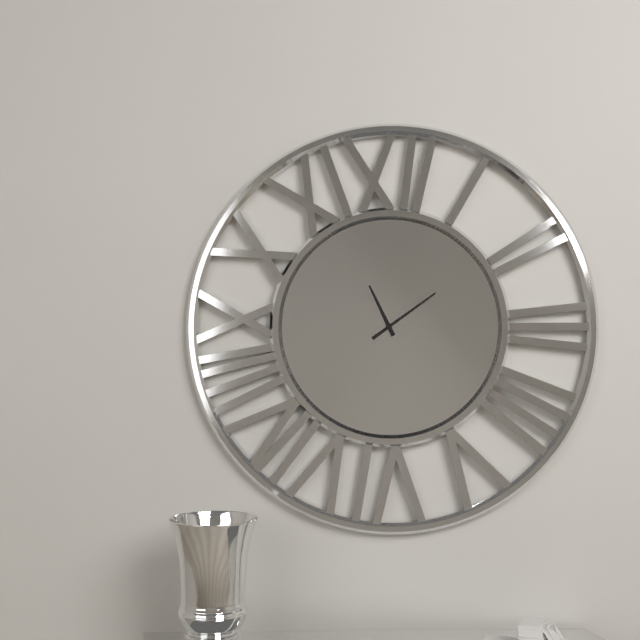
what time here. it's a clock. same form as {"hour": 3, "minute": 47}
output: {"hour": 11, "minute": 9}
